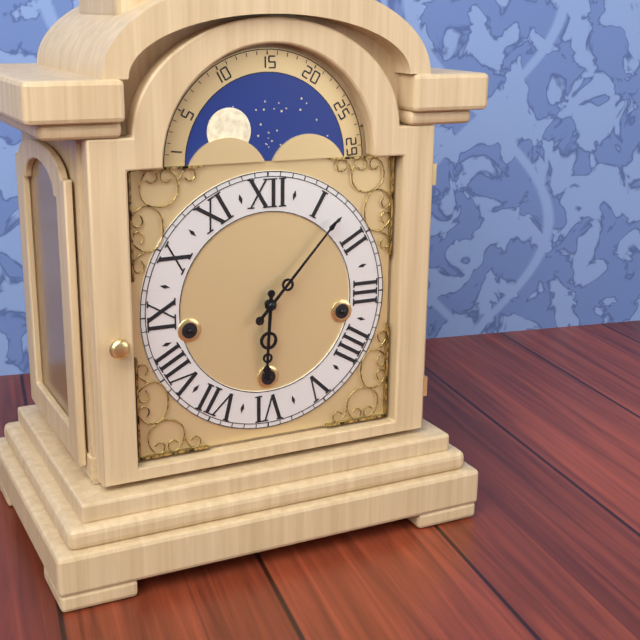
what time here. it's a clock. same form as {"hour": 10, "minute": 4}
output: {"hour": 6, "minute": 7}
